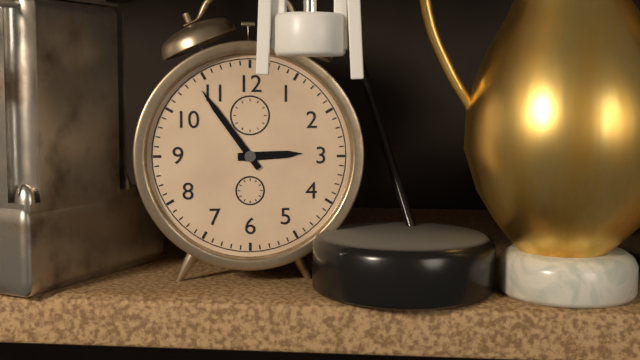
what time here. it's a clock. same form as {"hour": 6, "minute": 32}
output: {"hour": 2, "minute": 54}
